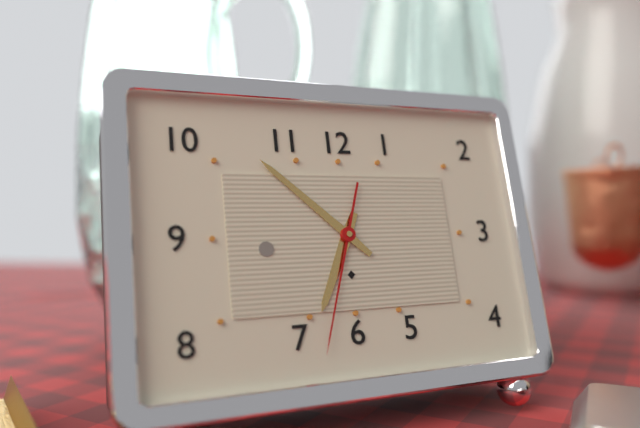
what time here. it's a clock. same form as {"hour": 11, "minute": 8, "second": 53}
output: {"hour": 6, "minute": 52, "second": 33}
